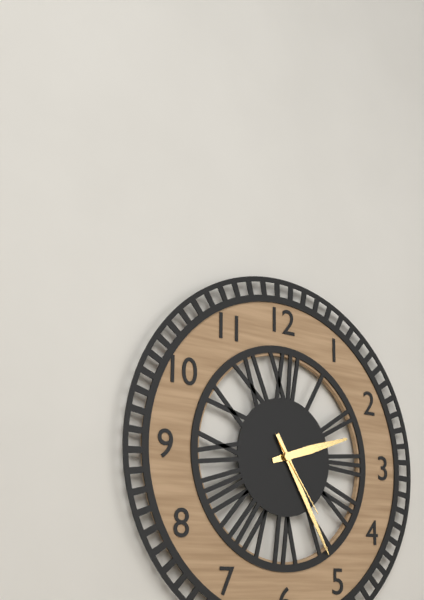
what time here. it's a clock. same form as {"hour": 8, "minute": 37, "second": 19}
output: {"hour": 2, "minute": 25, "second": 24}
